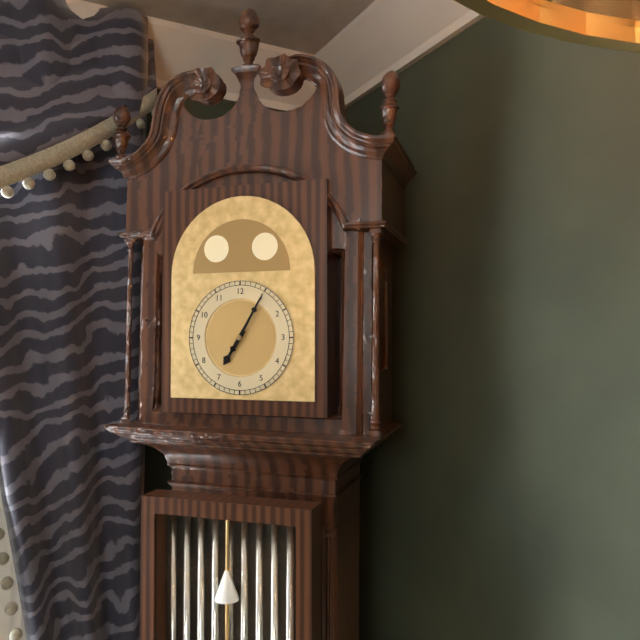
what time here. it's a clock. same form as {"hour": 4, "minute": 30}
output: {"hour": 7, "minute": 5}
